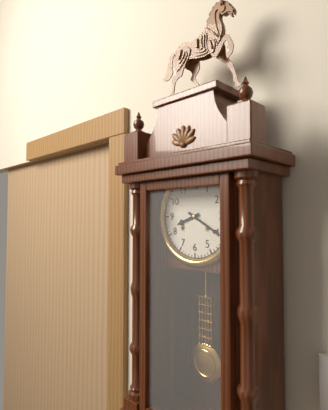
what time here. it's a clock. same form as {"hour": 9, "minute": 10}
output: {"hour": 8, "minute": 20}
